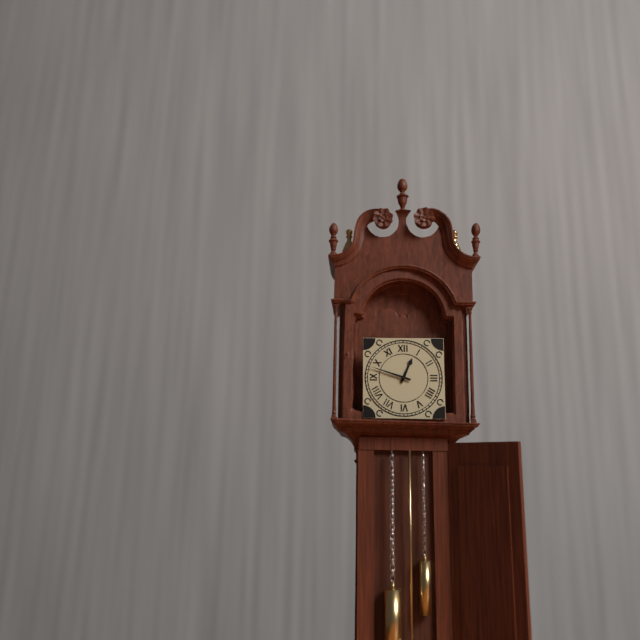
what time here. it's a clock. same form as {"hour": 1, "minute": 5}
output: {"hour": 12, "minute": 48}
